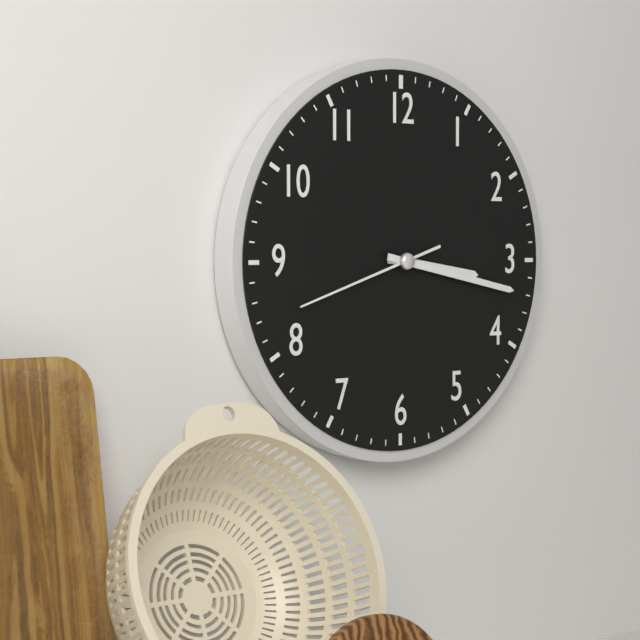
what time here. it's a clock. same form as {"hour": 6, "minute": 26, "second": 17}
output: {"hour": 3, "minute": 17, "second": 42}
